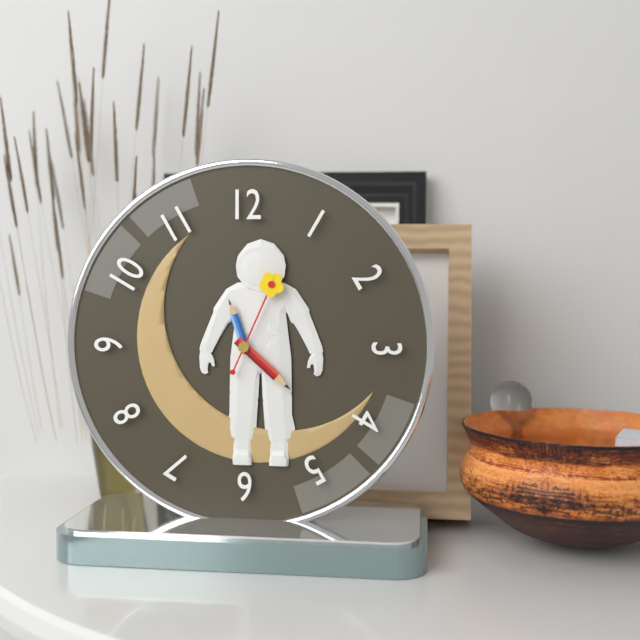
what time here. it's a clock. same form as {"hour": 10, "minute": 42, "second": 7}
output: {"hour": 11, "minute": 22, "second": 4}
